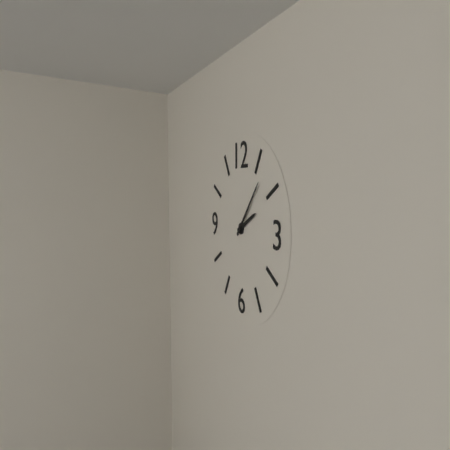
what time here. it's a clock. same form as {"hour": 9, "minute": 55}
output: {"hour": 2, "minute": 7}
